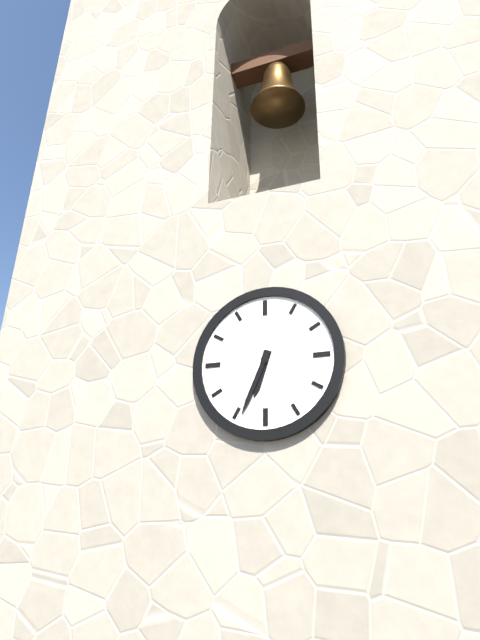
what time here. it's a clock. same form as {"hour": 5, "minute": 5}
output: {"hour": 6, "minute": 34}
